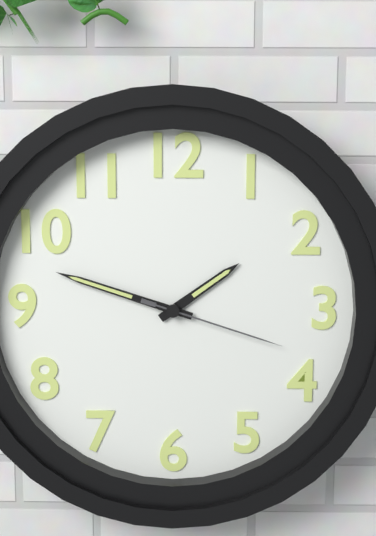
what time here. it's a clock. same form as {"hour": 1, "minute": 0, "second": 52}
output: {"hour": 1, "minute": 48, "second": 18}
